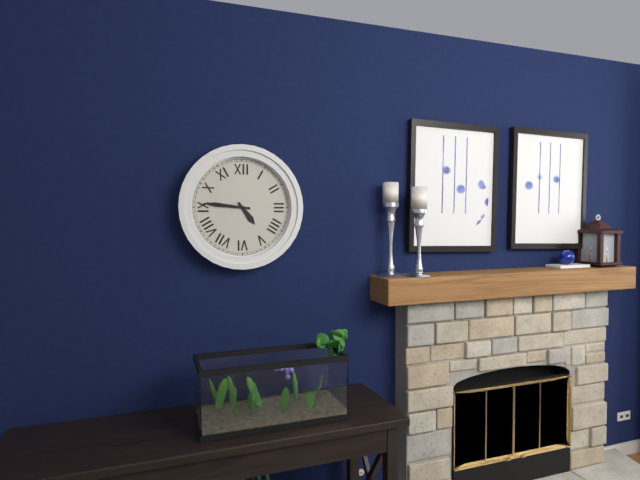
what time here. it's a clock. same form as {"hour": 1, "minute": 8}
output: {"hour": 4, "minute": 46}
